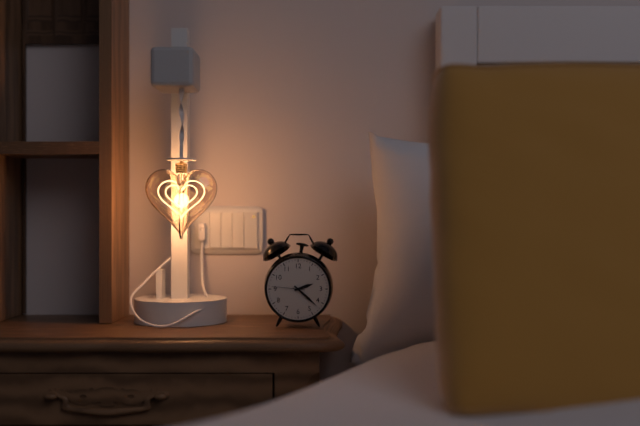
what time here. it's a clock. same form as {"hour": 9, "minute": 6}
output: {"hour": 2, "minute": 22}
